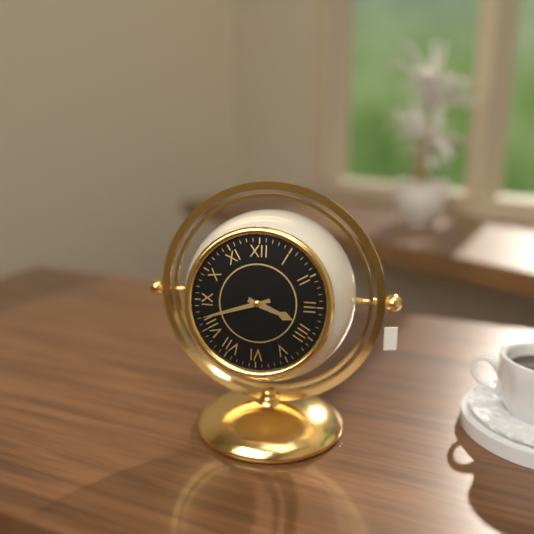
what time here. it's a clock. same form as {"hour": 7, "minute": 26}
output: {"hour": 3, "minute": 42}
